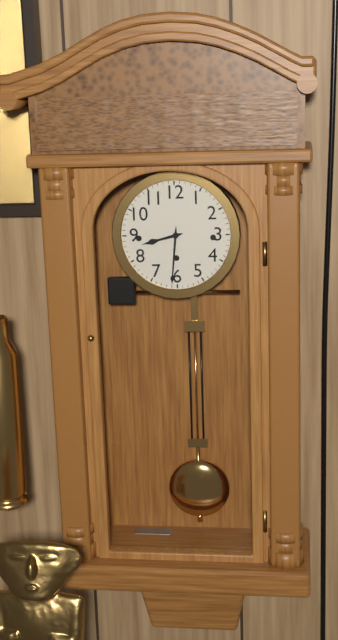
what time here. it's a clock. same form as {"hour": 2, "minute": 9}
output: {"hour": 8, "minute": 31}
